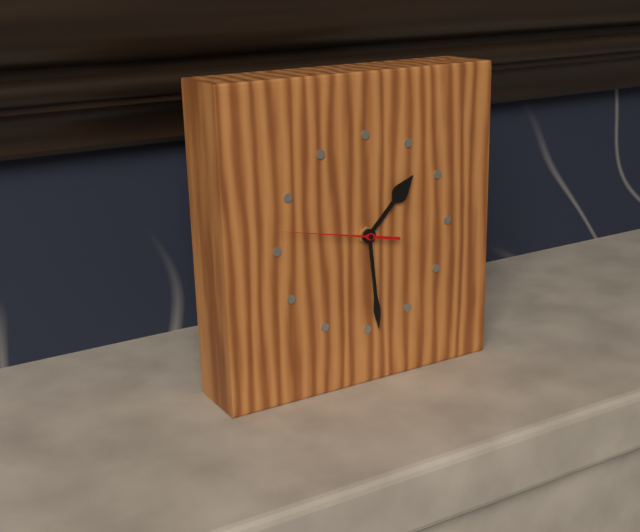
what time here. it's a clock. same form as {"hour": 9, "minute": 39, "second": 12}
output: {"hour": 1, "minute": 29, "second": 47}
